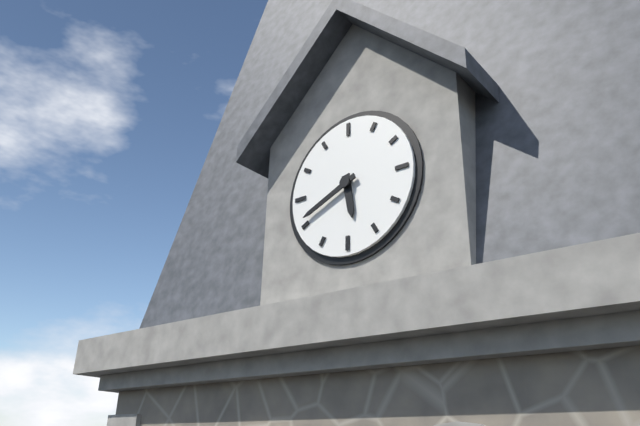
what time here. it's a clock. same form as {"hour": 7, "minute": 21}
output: {"hour": 5, "minute": 41}
